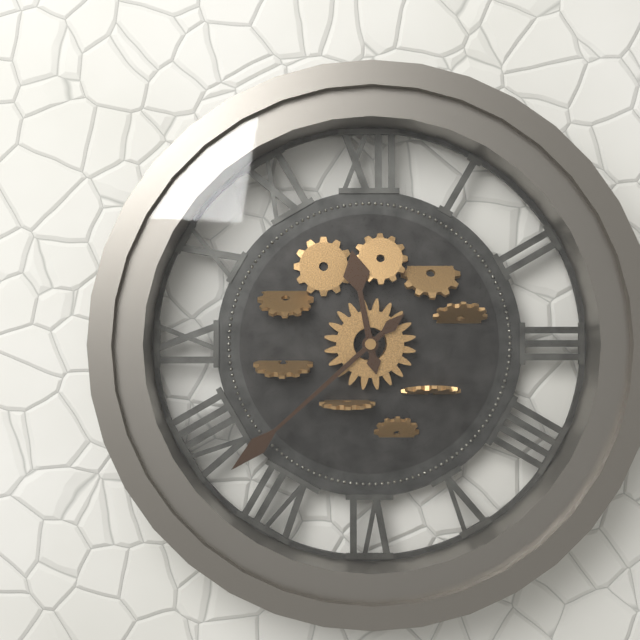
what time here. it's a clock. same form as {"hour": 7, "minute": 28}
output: {"hour": 11, "minute": 38}
